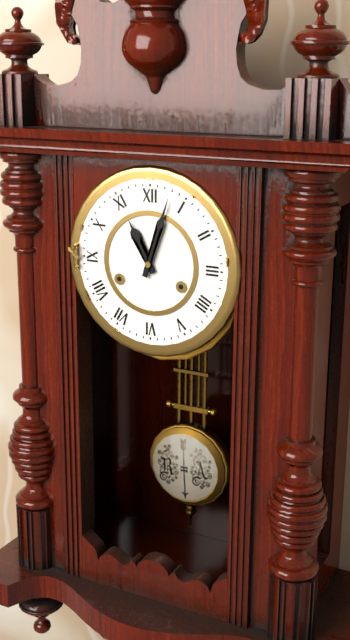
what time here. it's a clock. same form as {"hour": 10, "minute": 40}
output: {"hour": 11, "minute": 3}
